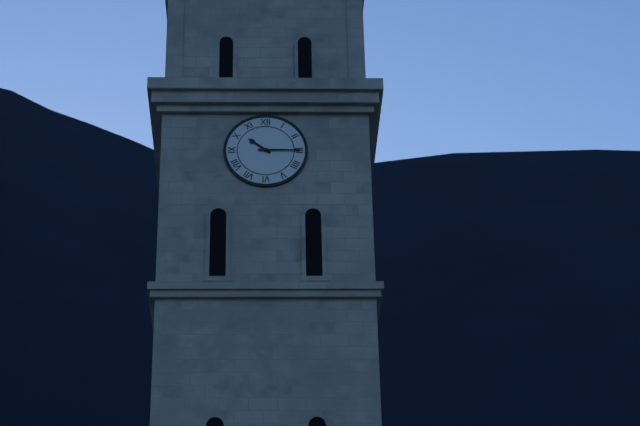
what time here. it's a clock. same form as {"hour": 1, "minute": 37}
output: {"hour": 10, "minute": 15}
